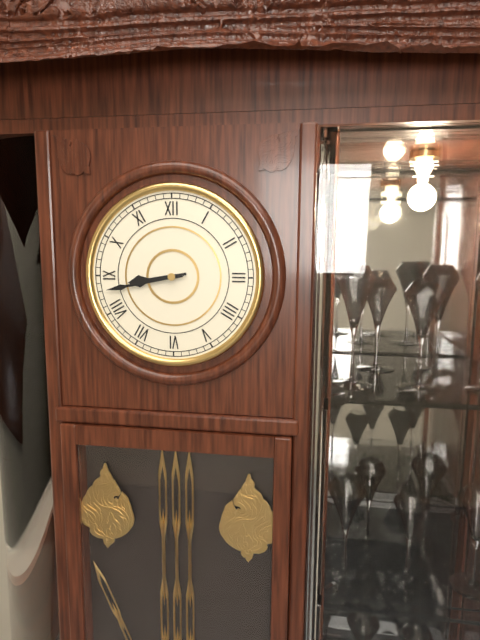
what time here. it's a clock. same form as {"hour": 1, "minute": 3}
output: {"hour": 8, "minute": 43}
